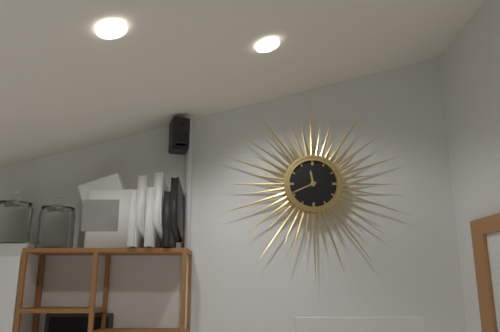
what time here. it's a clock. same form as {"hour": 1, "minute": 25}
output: {"hour": 11, "minute": 41}
